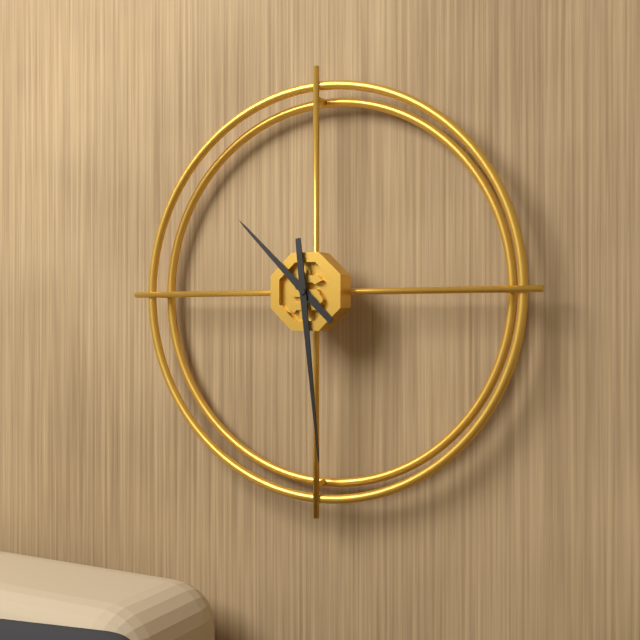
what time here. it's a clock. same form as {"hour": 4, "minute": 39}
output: {"hour": 10, "minute": 29}
